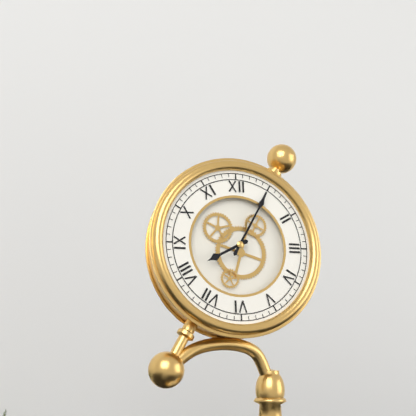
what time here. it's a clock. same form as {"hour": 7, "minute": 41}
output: {"hour": 8, "minute": 5}
